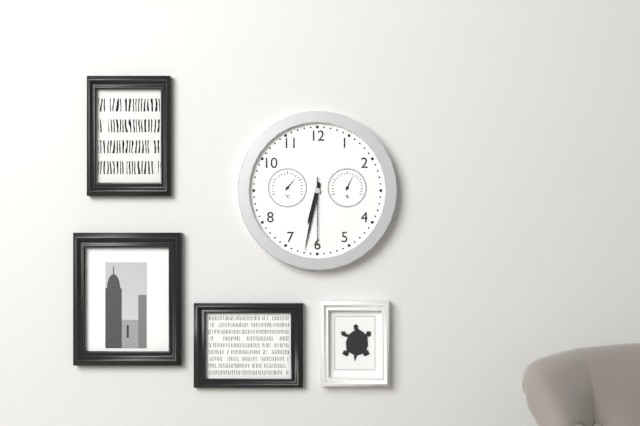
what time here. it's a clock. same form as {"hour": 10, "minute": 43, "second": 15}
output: {"hour": 6, "minute": 32, "second": 30}
